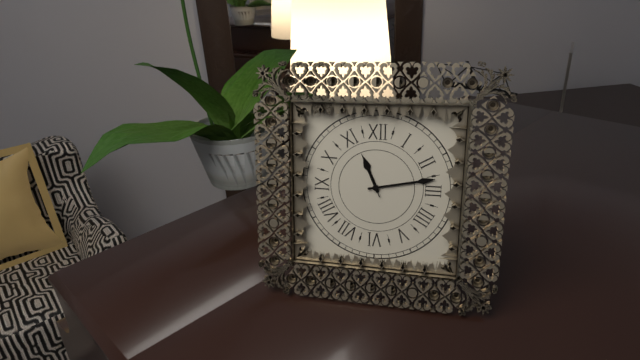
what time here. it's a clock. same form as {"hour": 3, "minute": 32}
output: {"hour": 11, "minute": 13}
